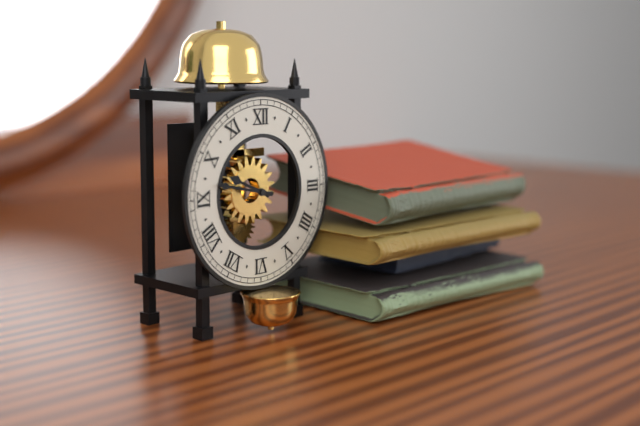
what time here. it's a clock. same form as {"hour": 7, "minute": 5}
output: {"hour": 9, "minute": 47}
